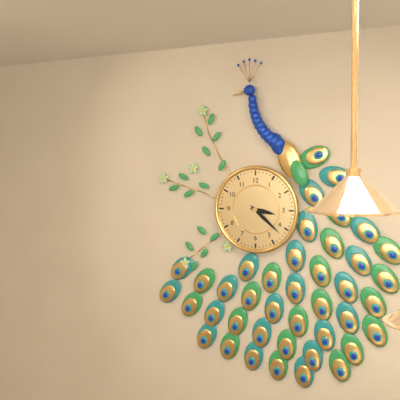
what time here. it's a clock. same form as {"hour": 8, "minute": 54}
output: {"hour": 3, "minute": 22}
